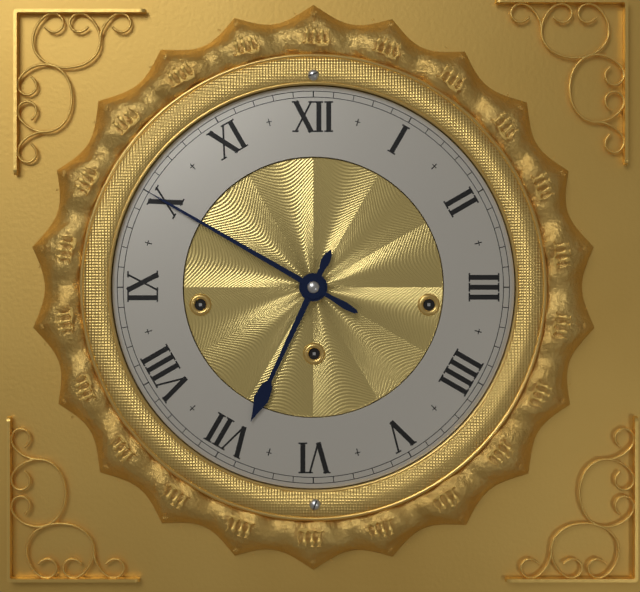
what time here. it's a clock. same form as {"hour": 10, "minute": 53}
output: {"hour": 6, "minute": 50}
